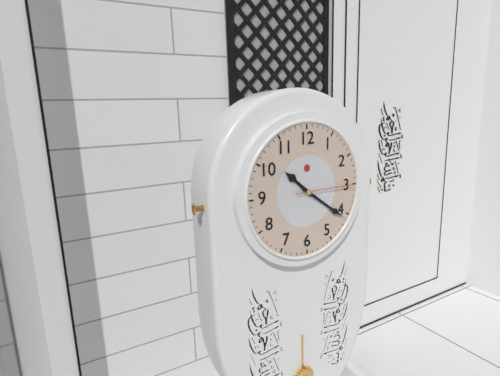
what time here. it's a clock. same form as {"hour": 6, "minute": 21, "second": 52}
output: {"hour": 10, "minute": 21, "second": 15}
